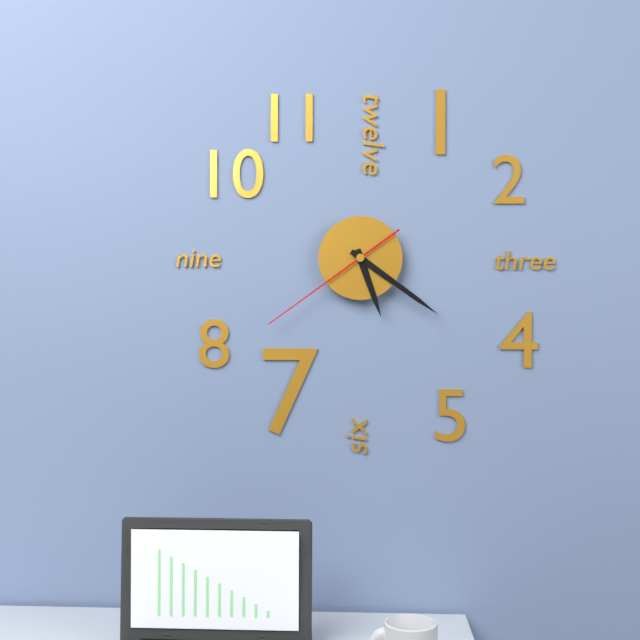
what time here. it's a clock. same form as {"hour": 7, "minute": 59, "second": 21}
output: {"hour": 5, "minute": 21, "second": 39}
